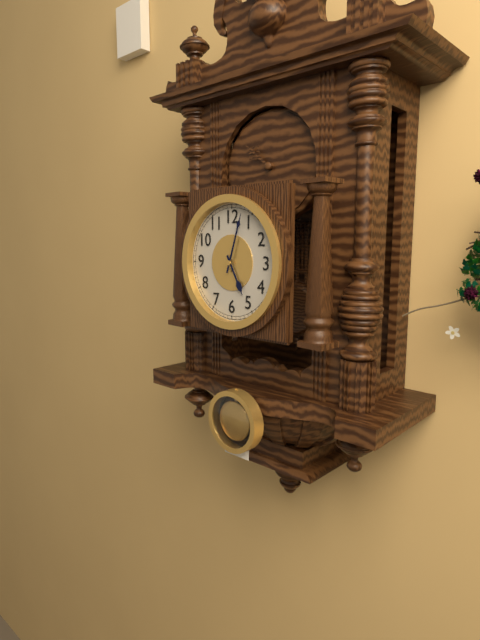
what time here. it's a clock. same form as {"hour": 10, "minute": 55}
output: {"hour": 5, "minute": 3}
